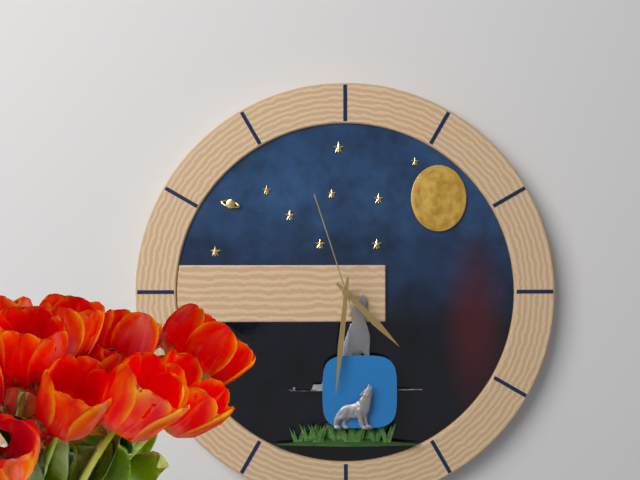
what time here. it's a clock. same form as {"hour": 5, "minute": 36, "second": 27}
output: {"hour": 4, "minute": 31, "second": 57}
